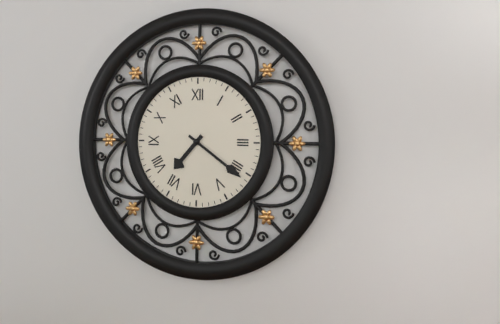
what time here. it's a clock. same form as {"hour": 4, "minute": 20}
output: {"hour": 7, "minute": 21}
